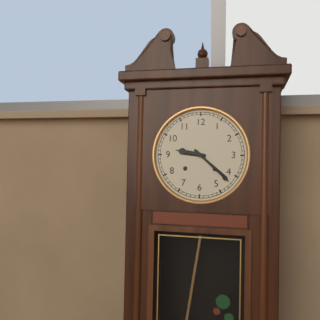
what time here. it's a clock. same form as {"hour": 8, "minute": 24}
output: {"hour": 9, "minute": 22}
